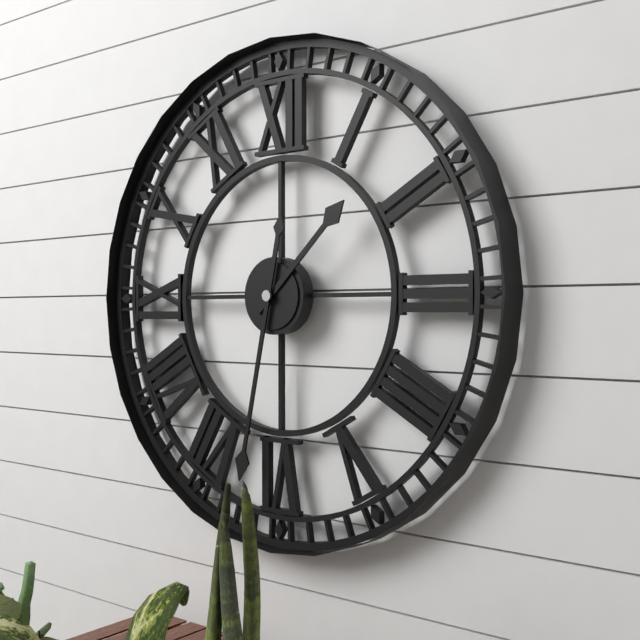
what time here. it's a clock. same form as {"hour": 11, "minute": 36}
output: {"hour": 1, "minute": 32}
